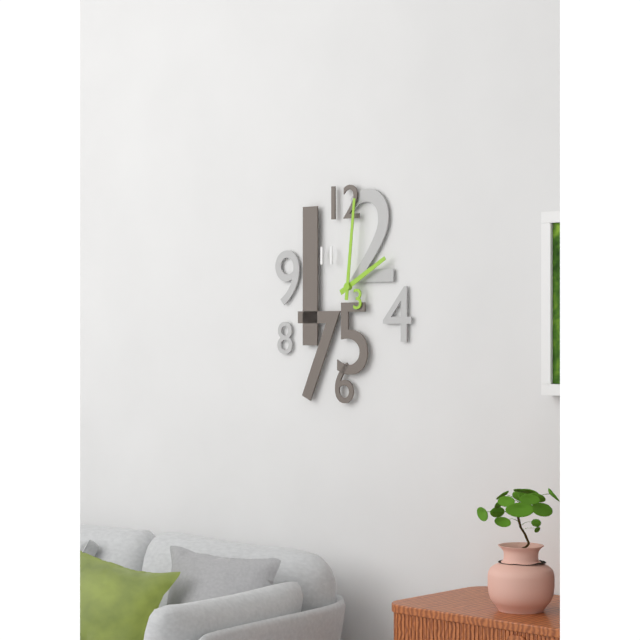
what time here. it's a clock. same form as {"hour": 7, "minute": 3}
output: {"hour": 2, "minute": 1}
